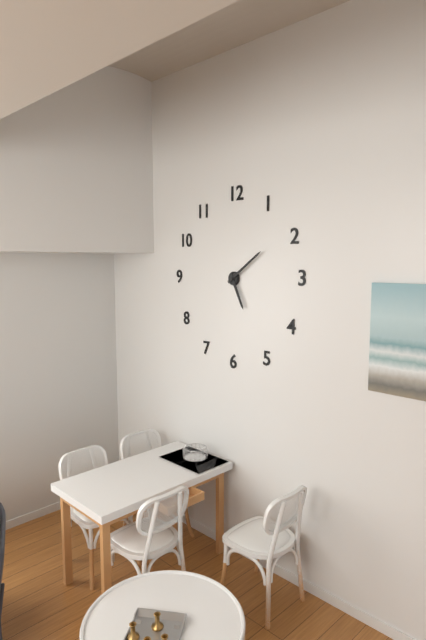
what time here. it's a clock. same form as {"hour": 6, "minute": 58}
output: {"hour": 5, "minute": 9}
